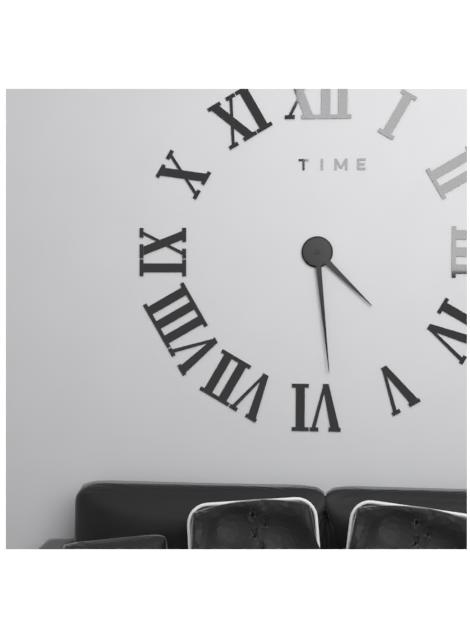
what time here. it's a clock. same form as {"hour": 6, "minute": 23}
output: {"hour": 4, "minute": 29}
